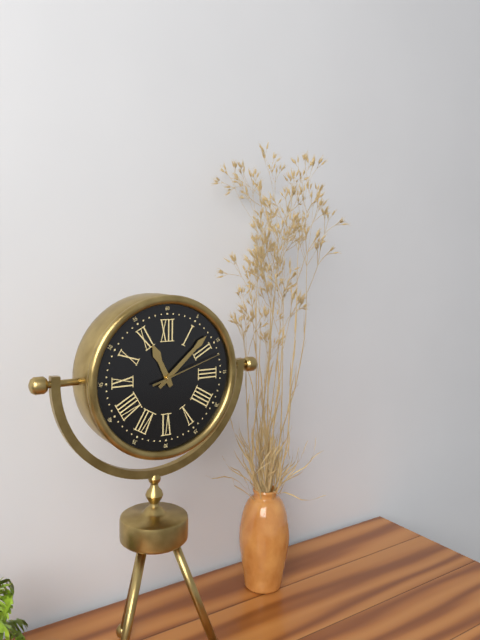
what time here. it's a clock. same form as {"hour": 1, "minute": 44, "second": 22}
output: {"hour": 11, "minute": 8, "second": 12}
